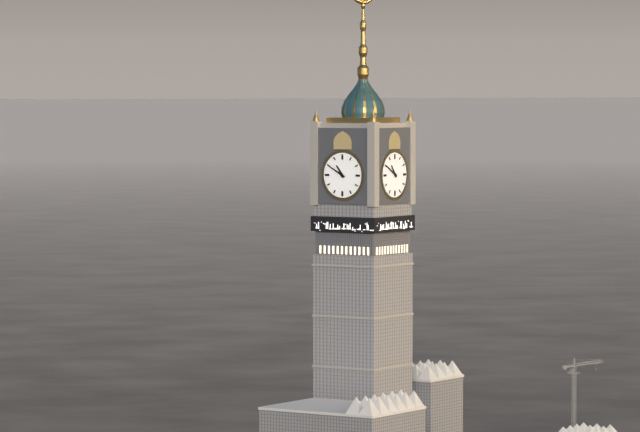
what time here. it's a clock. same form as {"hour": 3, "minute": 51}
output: {"hour": 10, "minute": 50}
